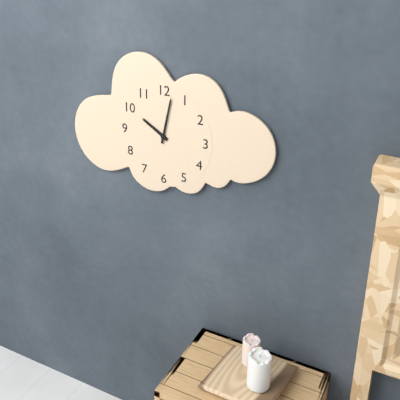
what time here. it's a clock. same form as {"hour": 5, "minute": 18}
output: {"hour": 10, "minute": 2}
